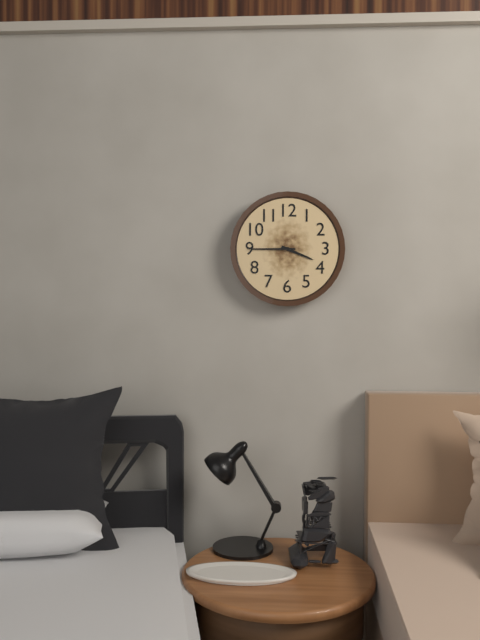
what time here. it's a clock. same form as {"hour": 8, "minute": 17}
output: {"hour": 3, "minute": 45}
